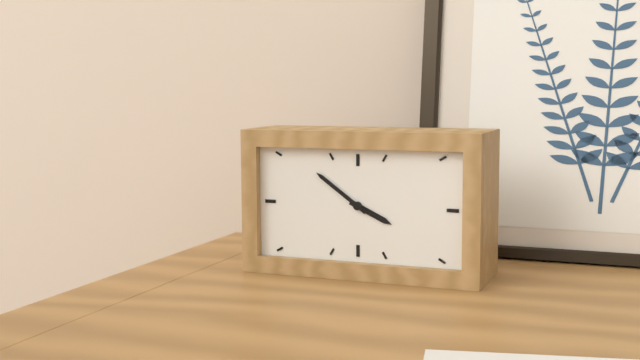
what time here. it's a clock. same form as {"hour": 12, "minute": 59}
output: {"hour": 3, "minute": 51}
